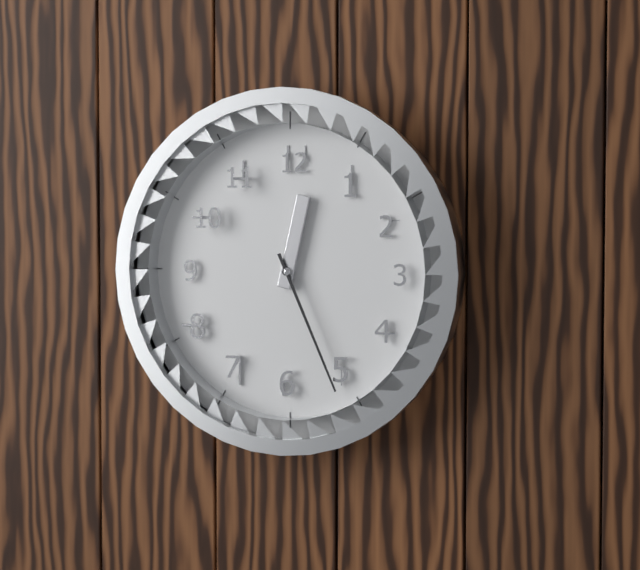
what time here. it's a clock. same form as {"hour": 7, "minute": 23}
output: {"hour": 12, "minute": 26}
